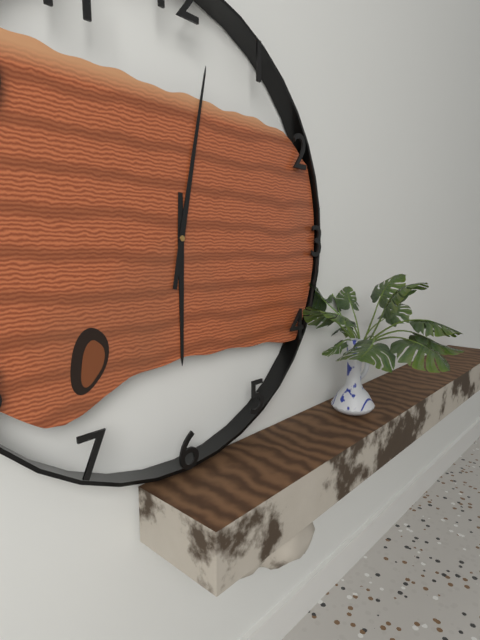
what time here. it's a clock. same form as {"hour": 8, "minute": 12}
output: {"hour": 6, "minute": 2}
